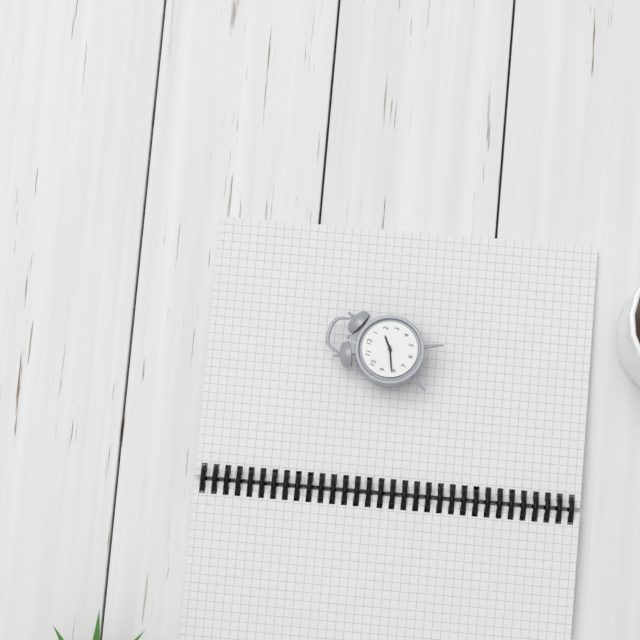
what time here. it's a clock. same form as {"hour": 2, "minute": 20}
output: {"hour": 1, "minute": 41}
